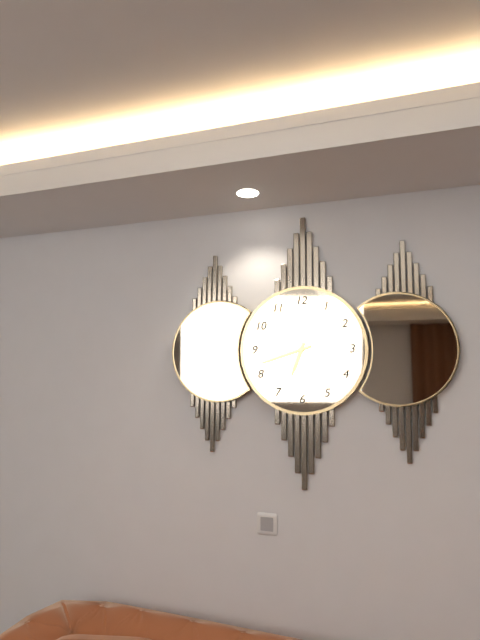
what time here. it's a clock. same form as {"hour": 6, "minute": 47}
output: {"hour": 6, "minute": 42}
